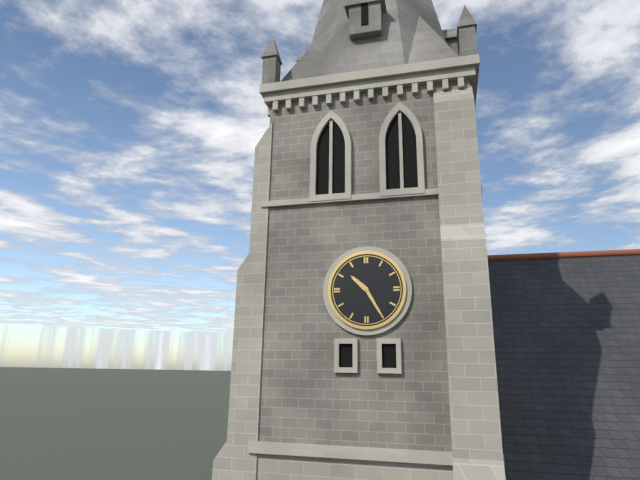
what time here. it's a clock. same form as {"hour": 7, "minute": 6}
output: {"hour": 10, "minute": 25}
